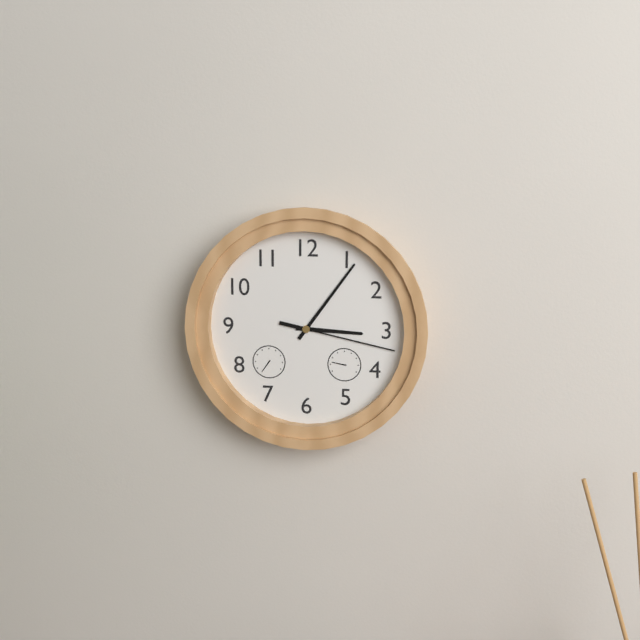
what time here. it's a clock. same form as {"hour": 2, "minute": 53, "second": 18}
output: {"hour": 3, "minute": 6, "second": 17}
